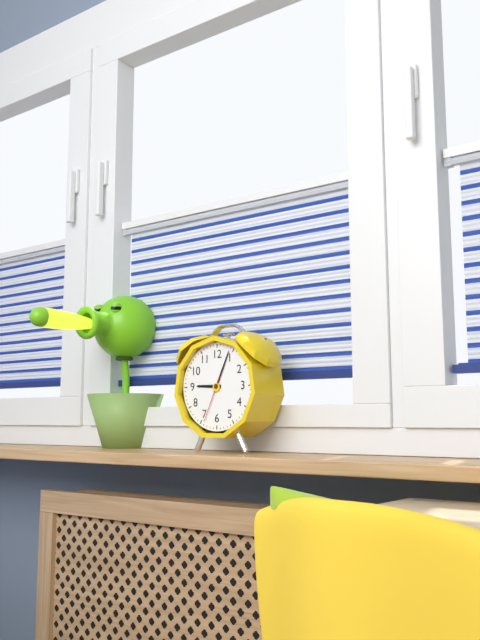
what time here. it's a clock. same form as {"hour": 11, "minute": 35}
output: {"hour": 9, "minute": 4}
